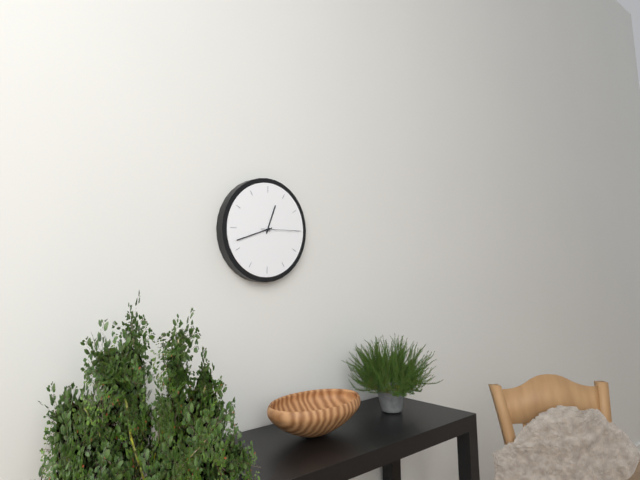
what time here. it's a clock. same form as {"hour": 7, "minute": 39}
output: {"hour": 12, "minute": 42}
